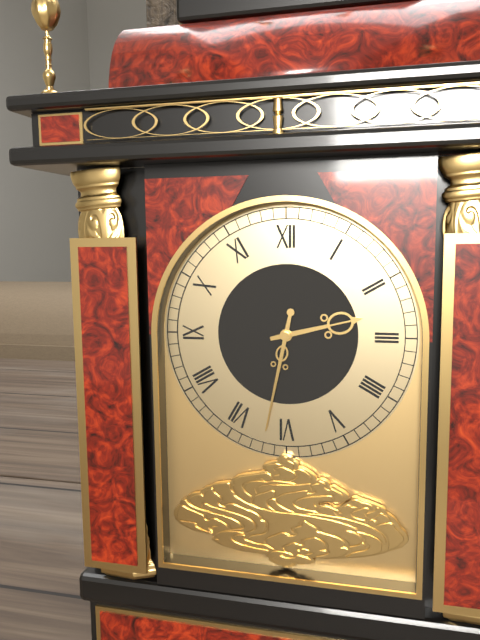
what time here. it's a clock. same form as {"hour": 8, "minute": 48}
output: {"hour": 2, "minute": 32}
